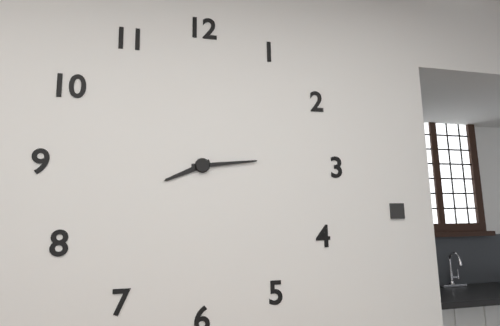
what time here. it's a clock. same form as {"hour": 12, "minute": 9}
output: {"hour": 8, "minute": 14}
